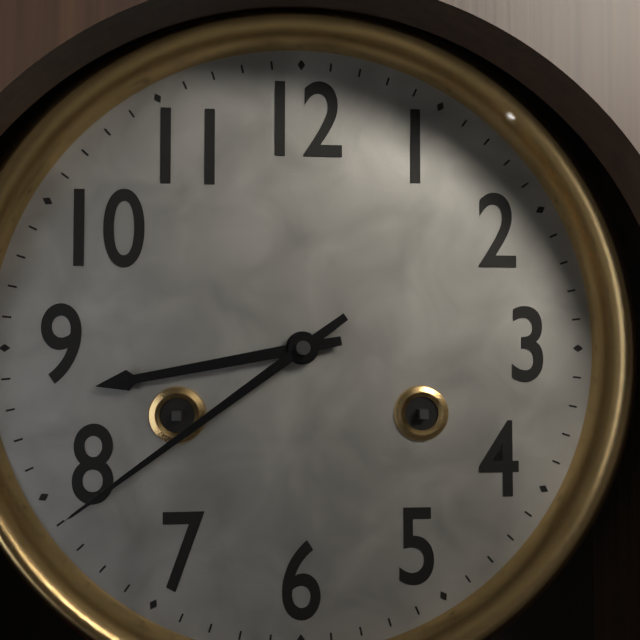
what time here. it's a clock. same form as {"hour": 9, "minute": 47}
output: {"hour": 8, "minute": 39}
